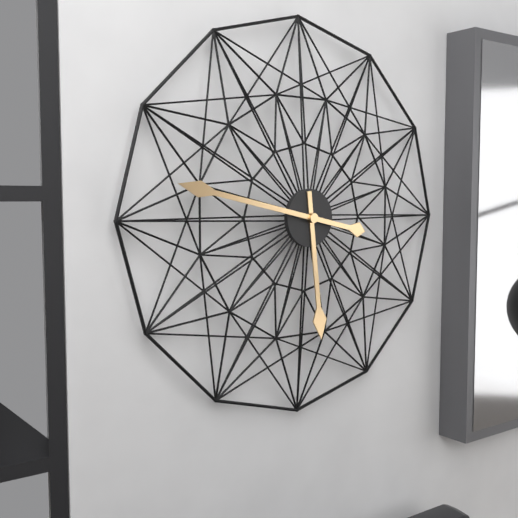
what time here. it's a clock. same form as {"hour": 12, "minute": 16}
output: {"hour": 5, "minute": 47}
